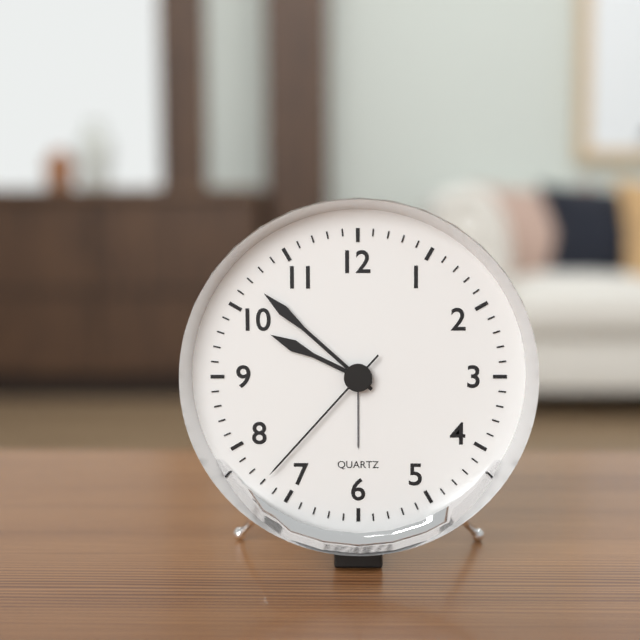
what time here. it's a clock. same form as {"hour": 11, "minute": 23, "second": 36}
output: {"hour": 9, "minute": 52, "second": 37}
